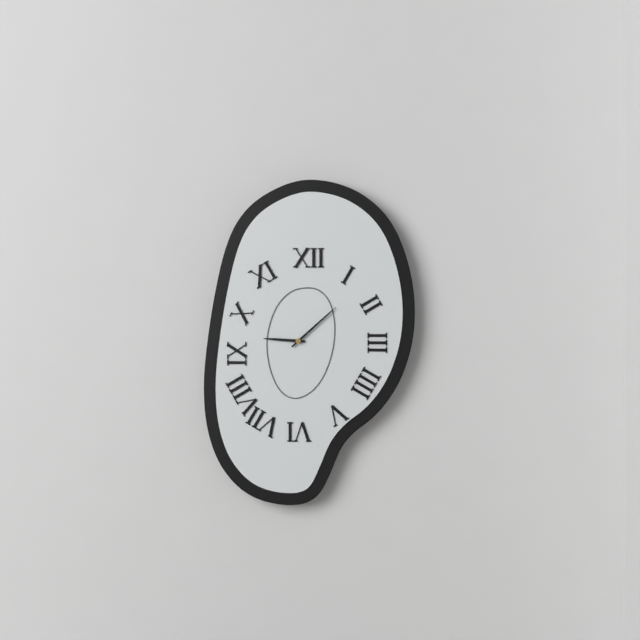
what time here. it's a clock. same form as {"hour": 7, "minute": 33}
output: {"hour": 9, "minute": 8}
